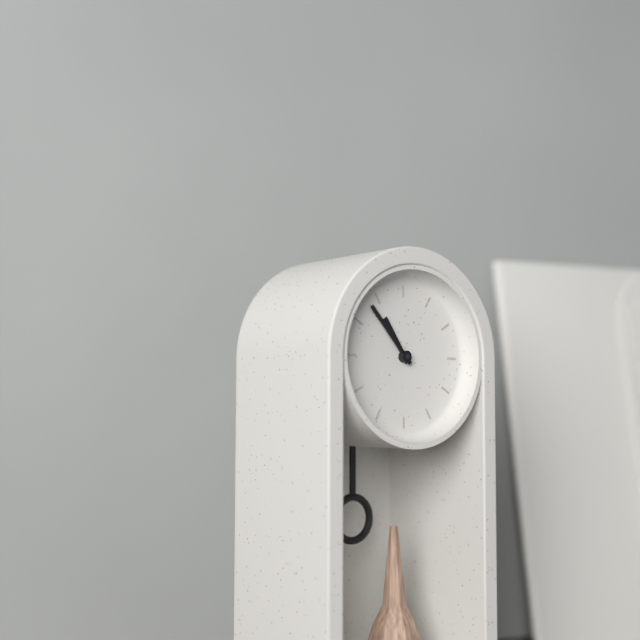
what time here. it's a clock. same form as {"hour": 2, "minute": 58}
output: {"hour": 10, "minute": 53}
